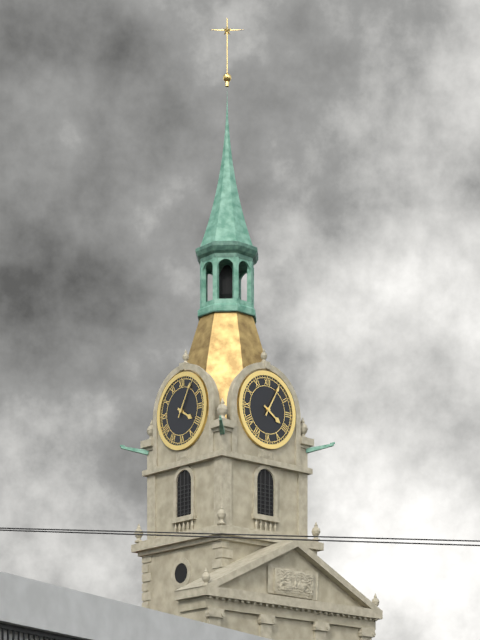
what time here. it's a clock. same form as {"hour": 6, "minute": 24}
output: {"hour": 4, "minute": 5}
